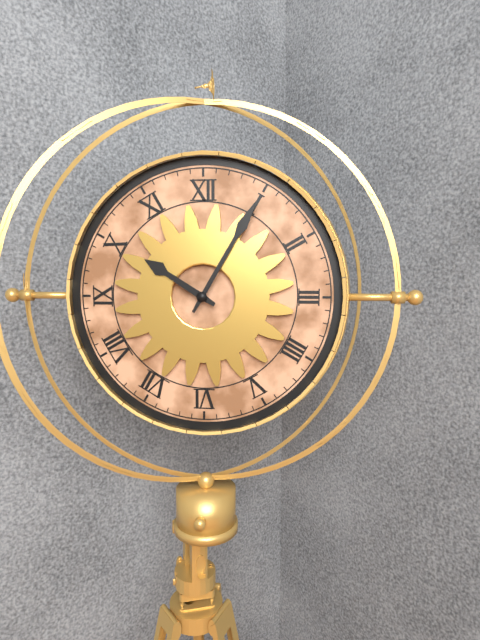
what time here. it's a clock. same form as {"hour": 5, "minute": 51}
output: {"hour": 10, "minute": 5}
